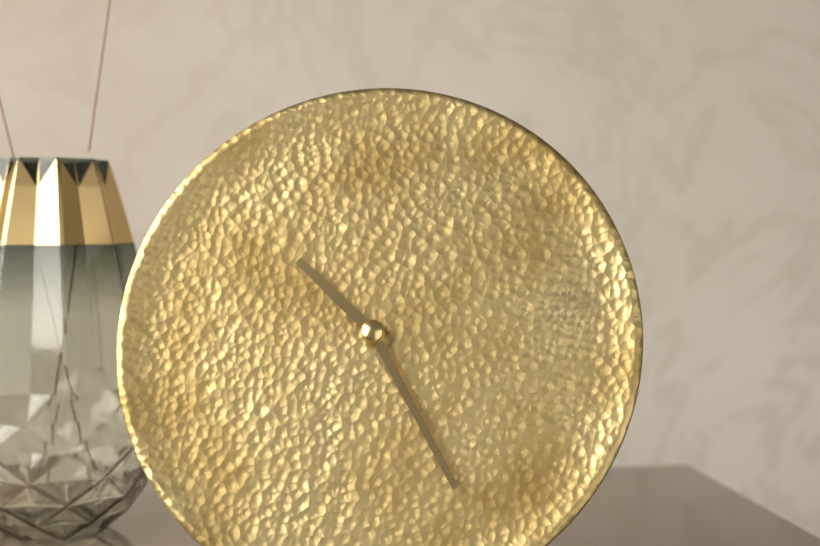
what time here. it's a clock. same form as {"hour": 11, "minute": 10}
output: {"hour": 10, "minute": 25}
